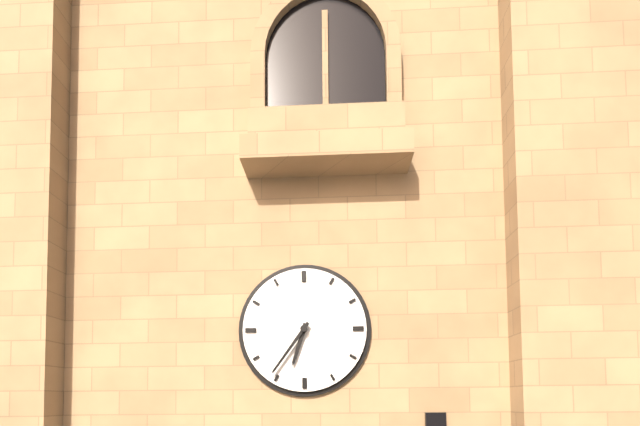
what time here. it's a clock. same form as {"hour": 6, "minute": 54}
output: {"hour": 6, "minute": 36}
